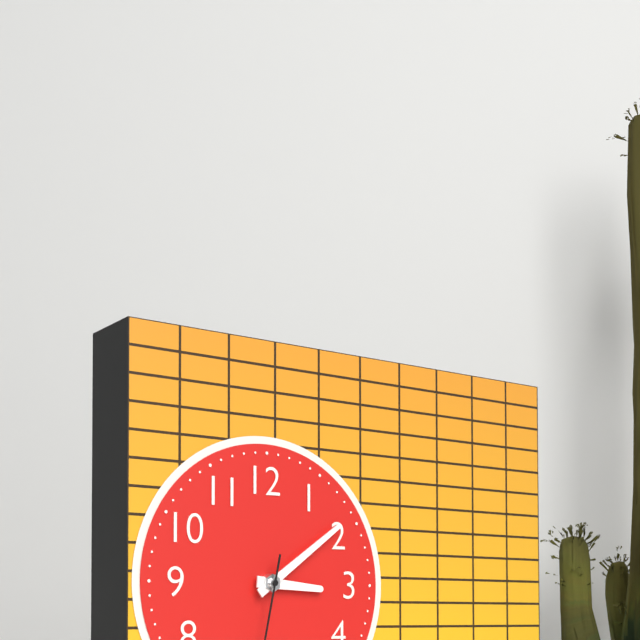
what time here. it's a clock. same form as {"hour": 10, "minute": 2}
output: {"hour": 3, "minute": 9}
